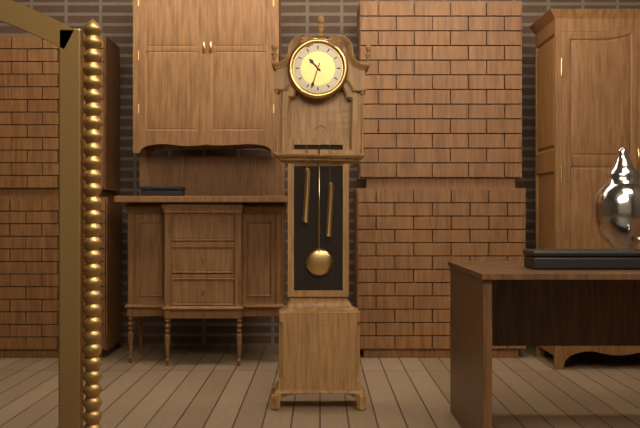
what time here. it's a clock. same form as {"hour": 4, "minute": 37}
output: {"hour": 10, "minute": 33}
